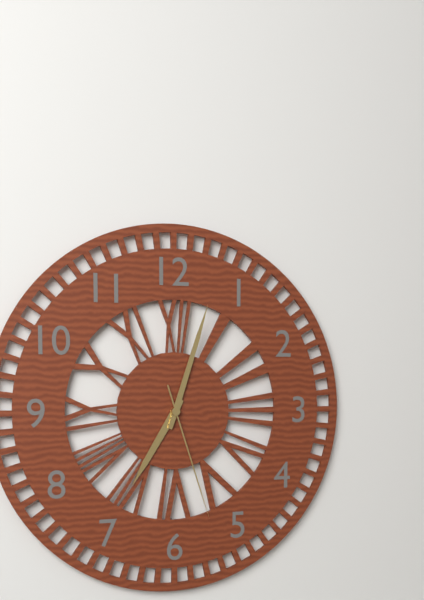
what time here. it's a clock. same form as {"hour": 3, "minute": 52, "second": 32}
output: {"hour": 7, "minute": 3, "second": 27}
